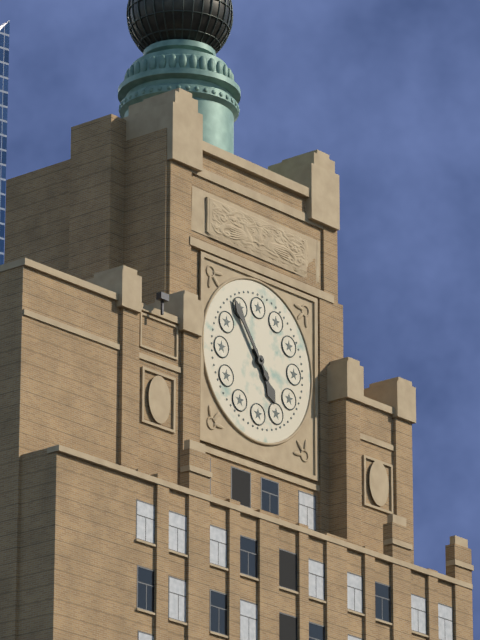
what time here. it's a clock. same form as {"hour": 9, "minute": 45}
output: {"hour": 4, "minute": 54}
